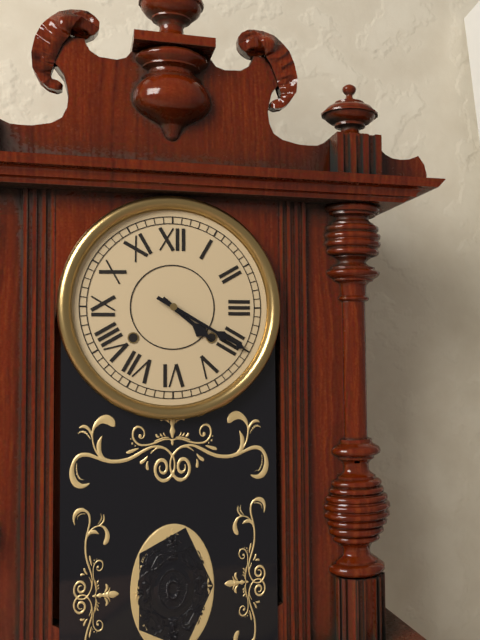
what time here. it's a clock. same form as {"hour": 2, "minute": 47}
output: {"hour": 4, "minute": 20}
